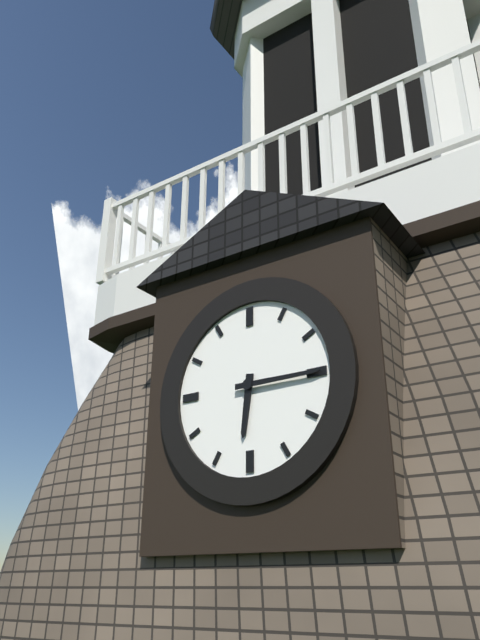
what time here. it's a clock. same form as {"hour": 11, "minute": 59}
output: {"hour": 6, "minute": 15}
